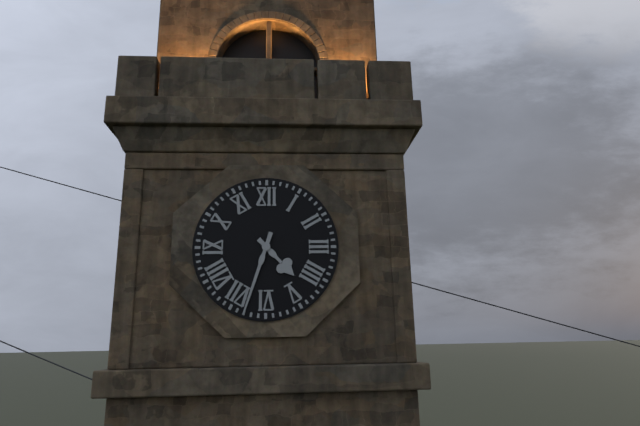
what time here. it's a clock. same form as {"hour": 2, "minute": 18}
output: {"hour": 4, "minute": 33}
